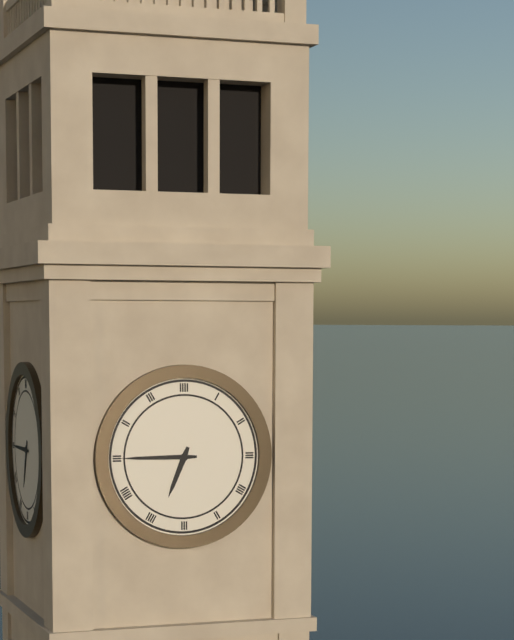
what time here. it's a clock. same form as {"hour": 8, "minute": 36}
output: {"hour": 6, "minute": 45}
